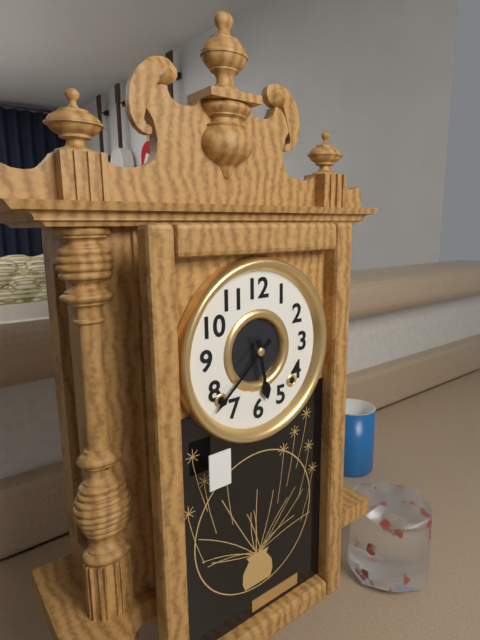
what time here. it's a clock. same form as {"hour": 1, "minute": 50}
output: {"hour": 5, "minute": 38}
